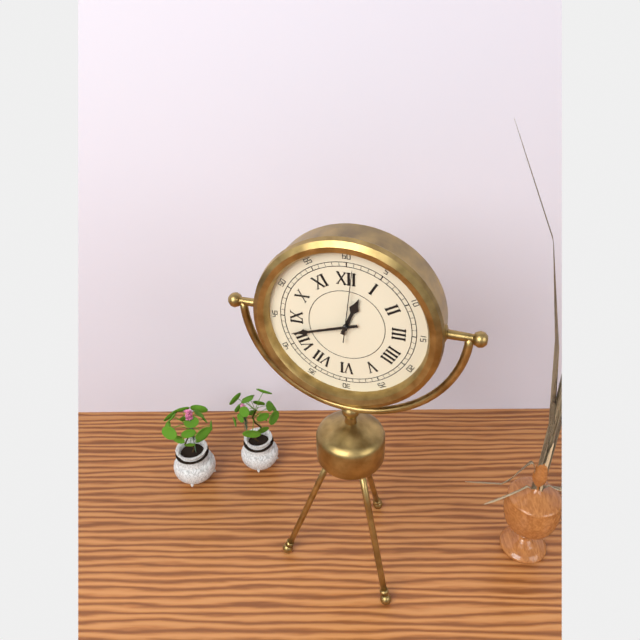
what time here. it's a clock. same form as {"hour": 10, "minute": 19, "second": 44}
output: {"hour": 12, "minute": 42, "second": 1}
